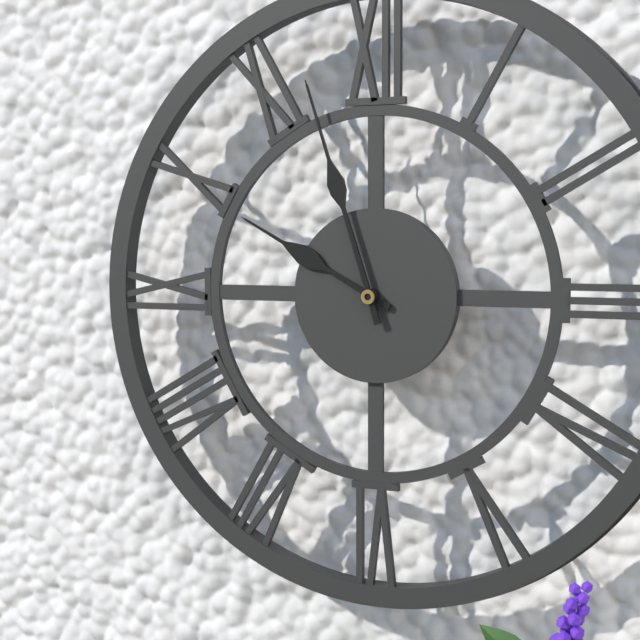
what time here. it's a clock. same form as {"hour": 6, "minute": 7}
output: {"hour": 9, "minute": 57}
